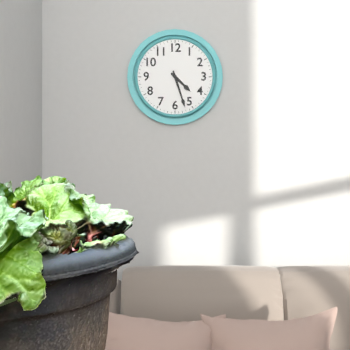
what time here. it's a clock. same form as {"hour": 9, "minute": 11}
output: {"hour": 4, "minute": 27}
